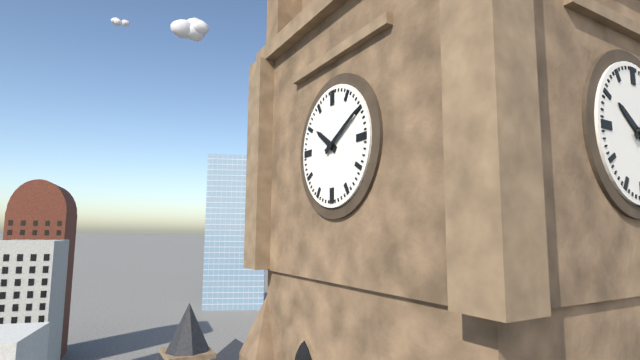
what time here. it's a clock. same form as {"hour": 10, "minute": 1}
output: {"hour": 10, "minute": 10}
